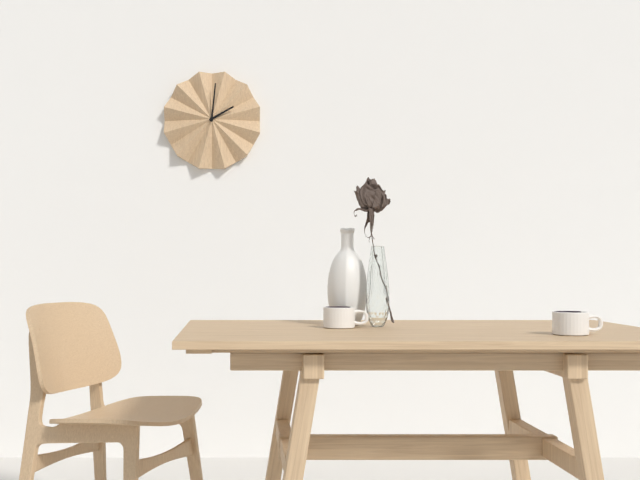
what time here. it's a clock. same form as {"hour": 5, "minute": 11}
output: {"hour": 2, "minute": 1}
